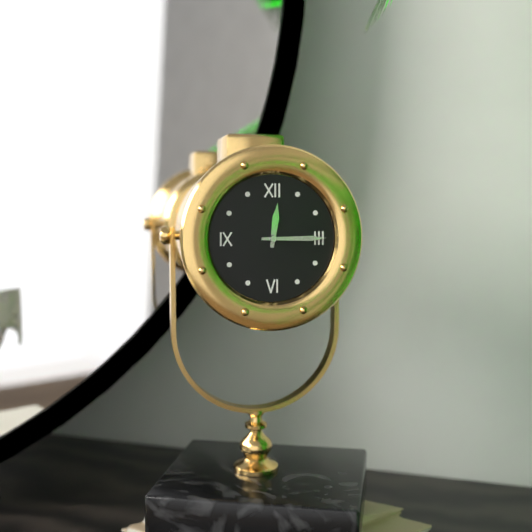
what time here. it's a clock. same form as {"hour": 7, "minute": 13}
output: {"hour": 12, "minute": 15}
